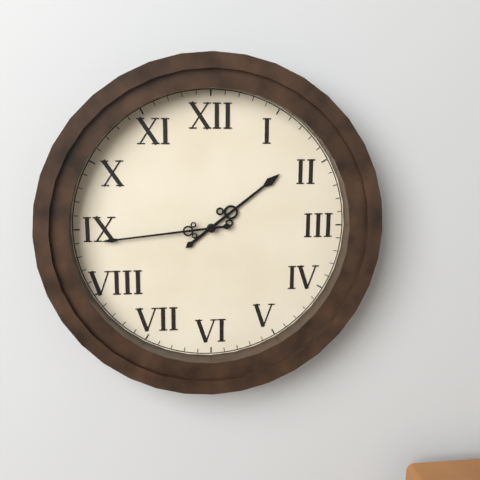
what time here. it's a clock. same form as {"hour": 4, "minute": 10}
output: {"hour": 1, "minute": 44}
